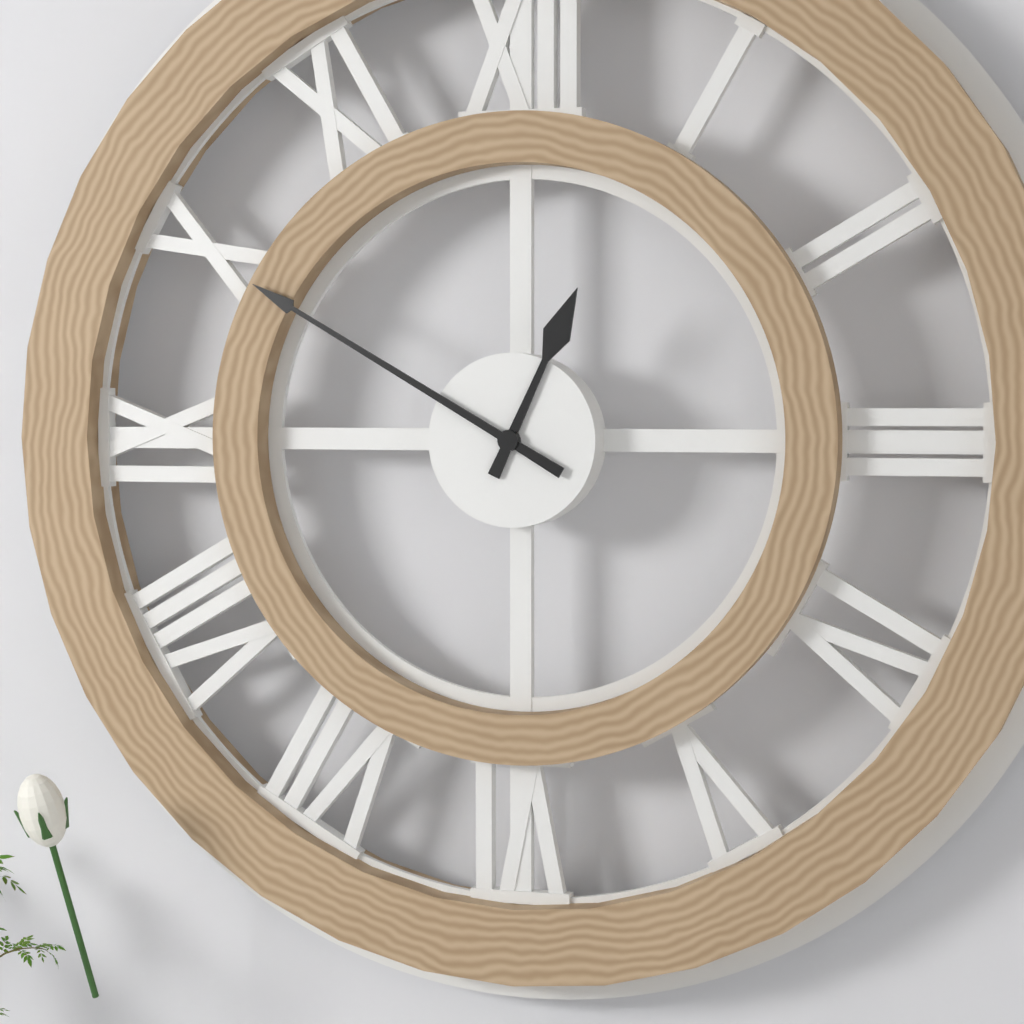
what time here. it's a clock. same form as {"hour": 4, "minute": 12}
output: {"hour": 12, "minute": 50}
